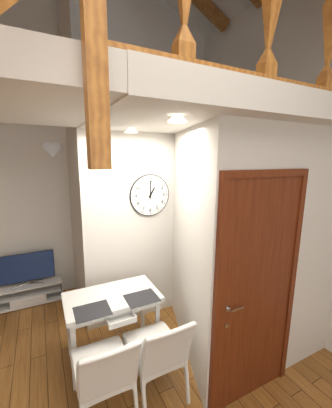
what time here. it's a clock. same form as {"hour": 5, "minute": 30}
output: {"hour": 1, "minute": 0}
